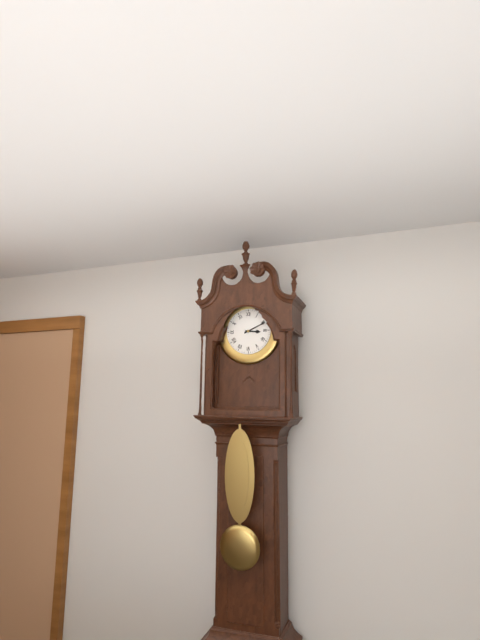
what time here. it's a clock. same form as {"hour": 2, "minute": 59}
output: {"hour": 3, "minute": 11}
